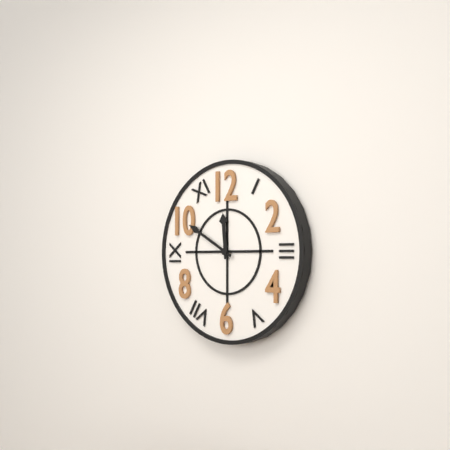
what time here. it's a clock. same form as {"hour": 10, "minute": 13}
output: {"hour": 11, "minute": 50}
